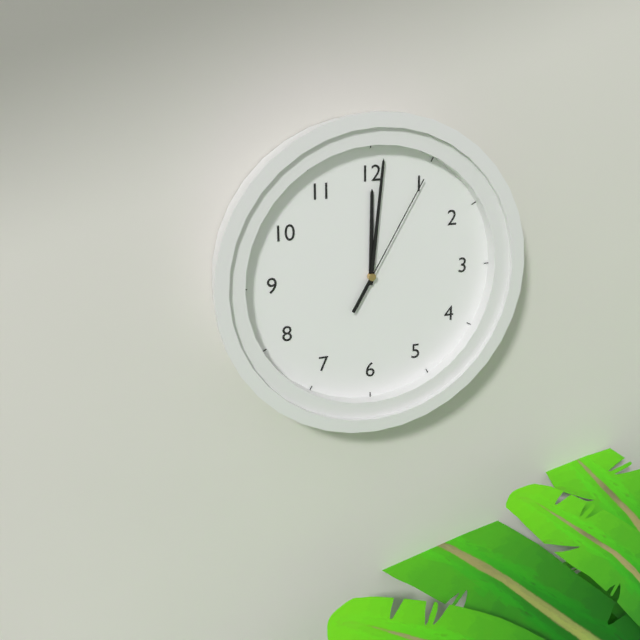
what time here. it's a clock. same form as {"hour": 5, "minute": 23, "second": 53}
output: {"hour": 12, "minute": 1, "second": 5}
